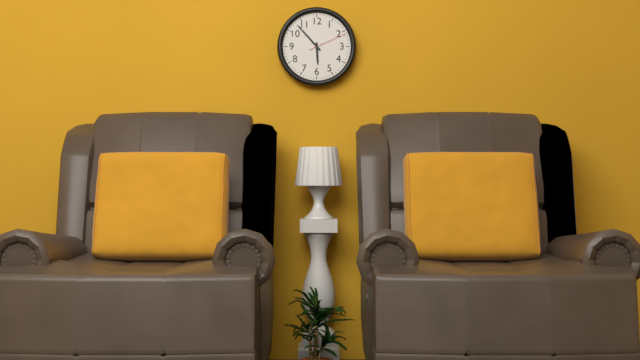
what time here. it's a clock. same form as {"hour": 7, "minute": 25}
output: {"hour": 5, "minute": 53}
